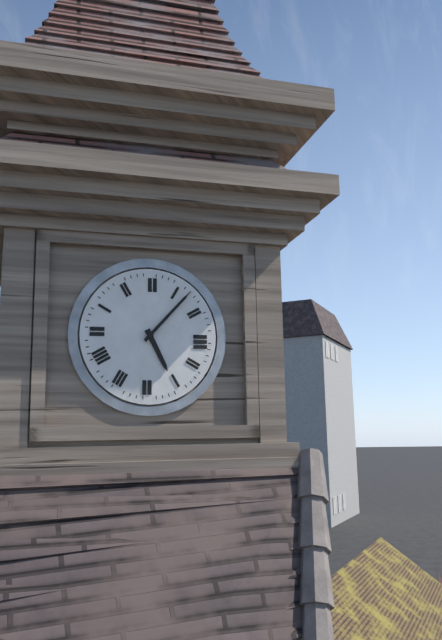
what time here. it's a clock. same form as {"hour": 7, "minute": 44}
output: {"hour": 5, "minute": 7}
